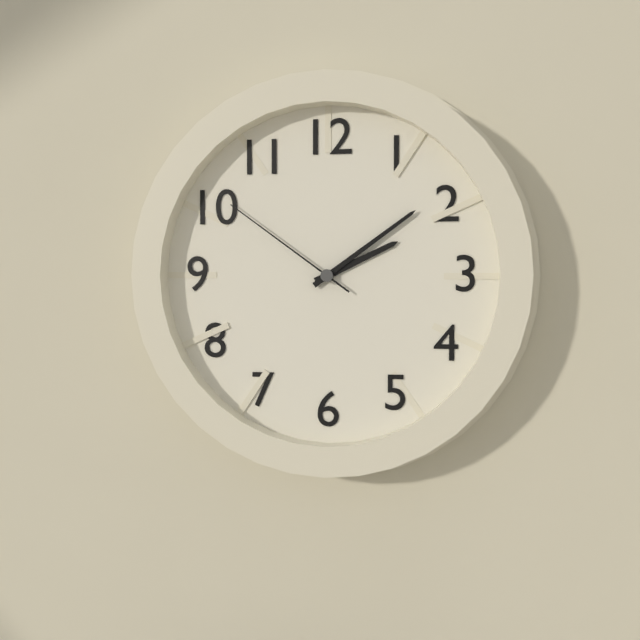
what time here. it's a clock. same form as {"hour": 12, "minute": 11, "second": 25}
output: {"hour": 2, "minute": 9, "second": 51}
